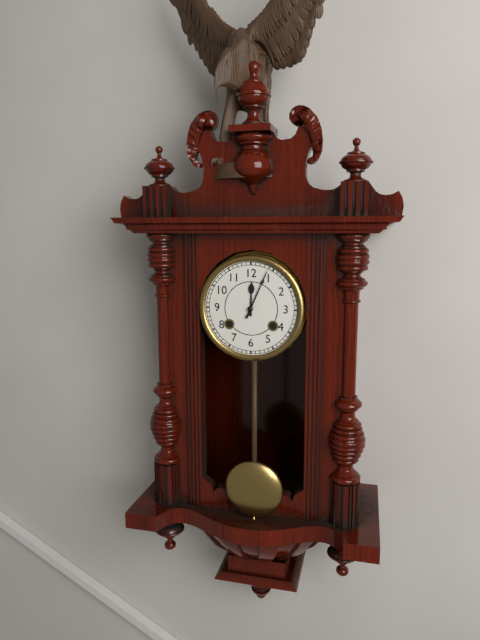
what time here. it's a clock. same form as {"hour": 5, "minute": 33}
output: {"hour": 12, "minute": 4}
